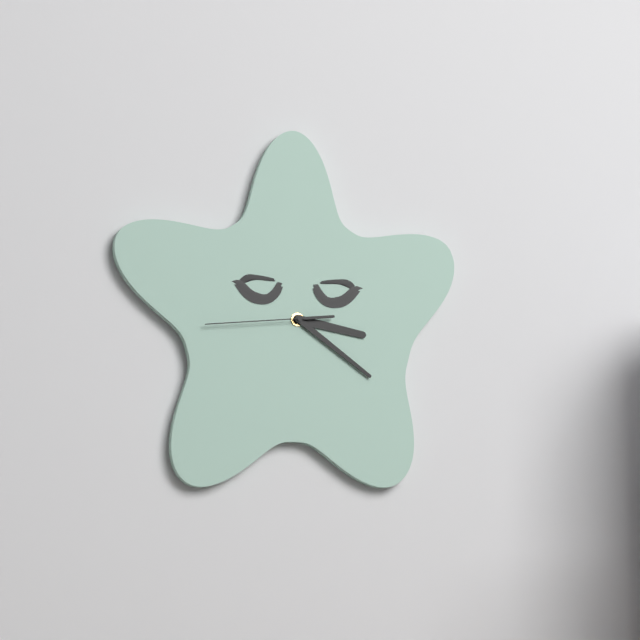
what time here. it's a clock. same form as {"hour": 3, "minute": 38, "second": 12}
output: {"hour": 3, "minute": 21, "second": 44}
